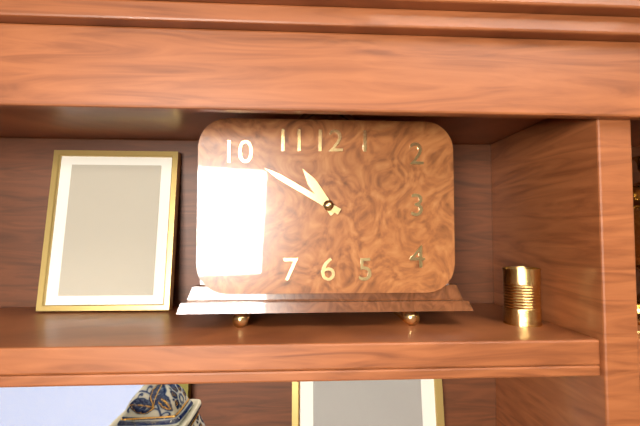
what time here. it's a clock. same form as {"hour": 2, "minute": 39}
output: {"hour": 10, "minute": 50}
